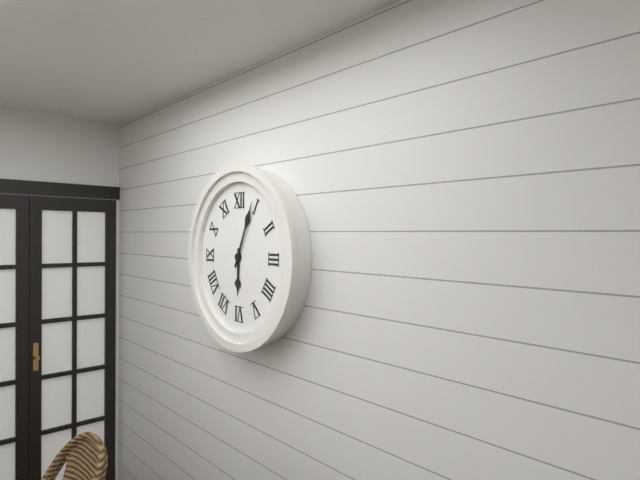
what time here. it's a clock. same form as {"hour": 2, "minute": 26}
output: {"hour": 6, "minute": 4}
